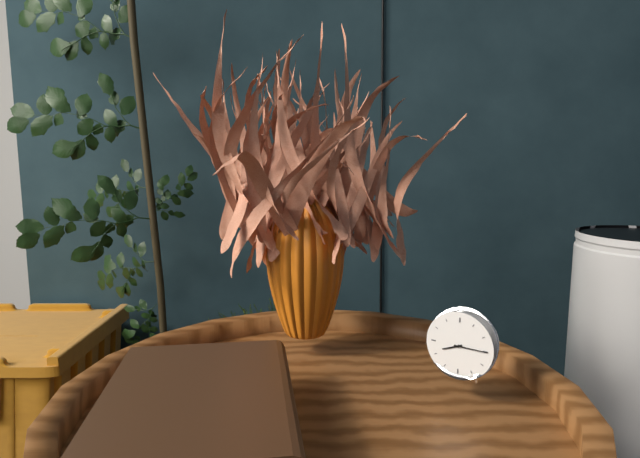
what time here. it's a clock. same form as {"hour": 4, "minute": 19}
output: {"hour": 8, "minute": 15}
